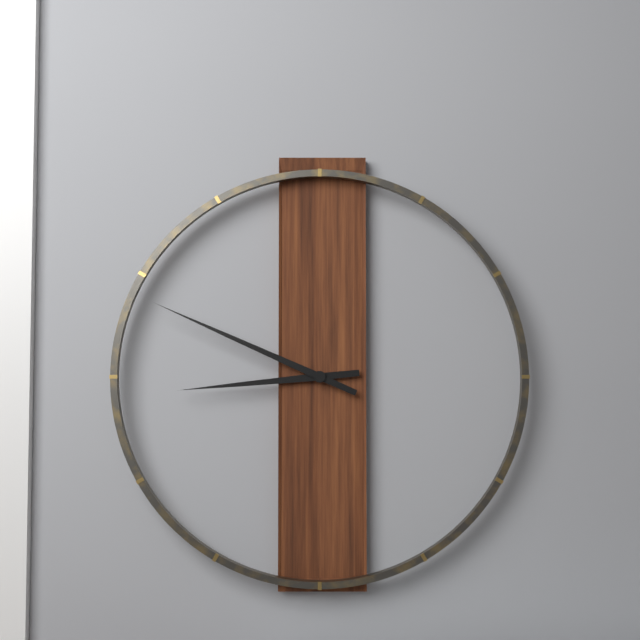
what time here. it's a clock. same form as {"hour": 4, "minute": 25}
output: {"hour": 8, "minute": 49}
